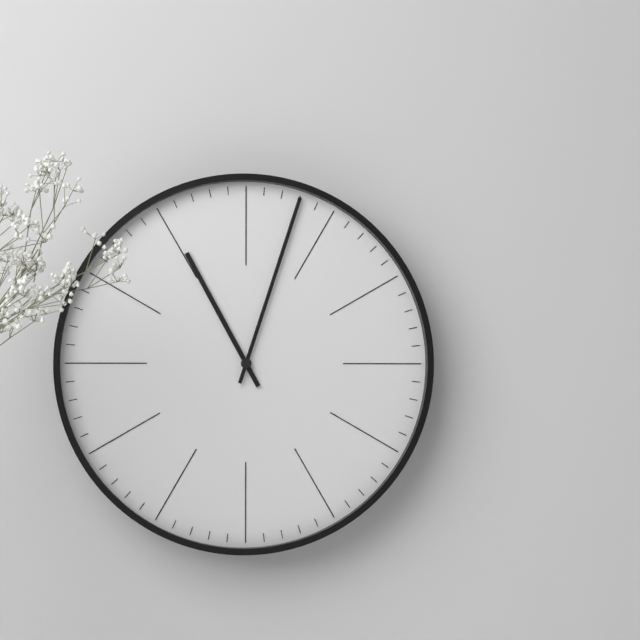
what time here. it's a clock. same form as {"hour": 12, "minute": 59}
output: {"hour": 11, "minute": 3}
